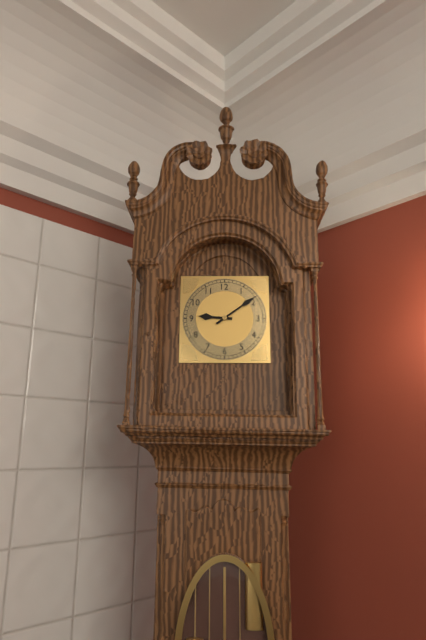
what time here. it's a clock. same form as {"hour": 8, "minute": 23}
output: {"hour": 9, "minute": 9}
